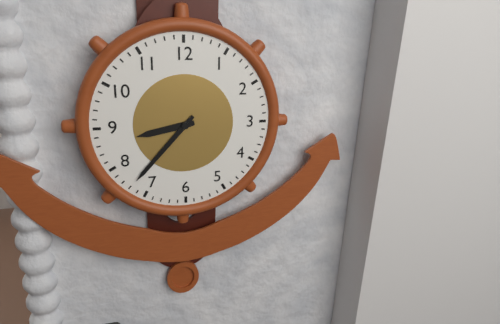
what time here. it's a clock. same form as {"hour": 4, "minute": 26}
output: {"hour": 8, "minute": 37}
